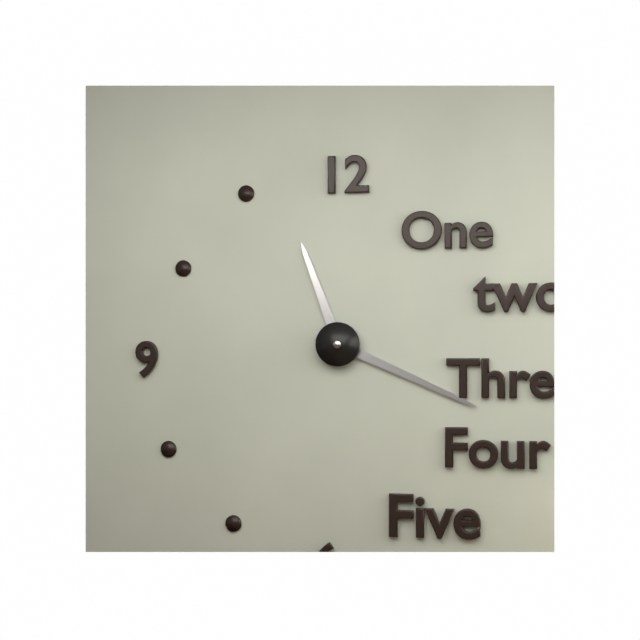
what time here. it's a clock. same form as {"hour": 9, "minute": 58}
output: {"hour": 11, "minute": 19}
